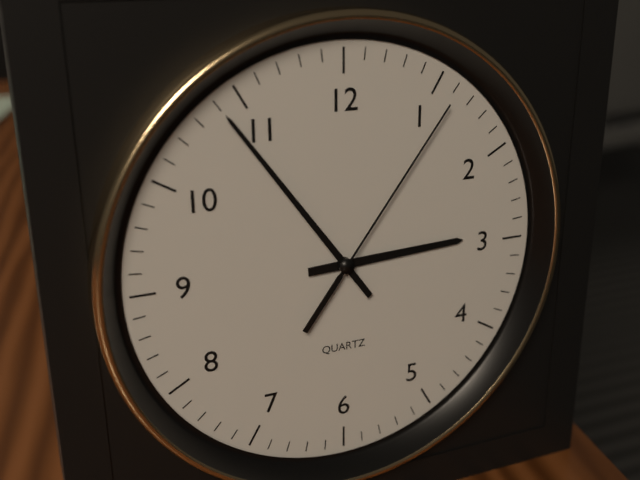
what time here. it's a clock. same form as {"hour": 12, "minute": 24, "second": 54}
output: {"hour": 2, "minute": 54, "second": 6}
